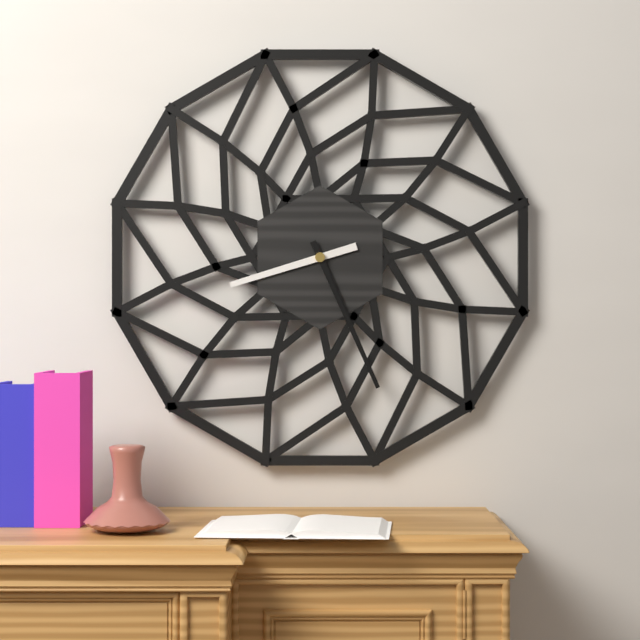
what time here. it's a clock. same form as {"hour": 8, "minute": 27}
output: {"hour": 8, "minute": 26}
